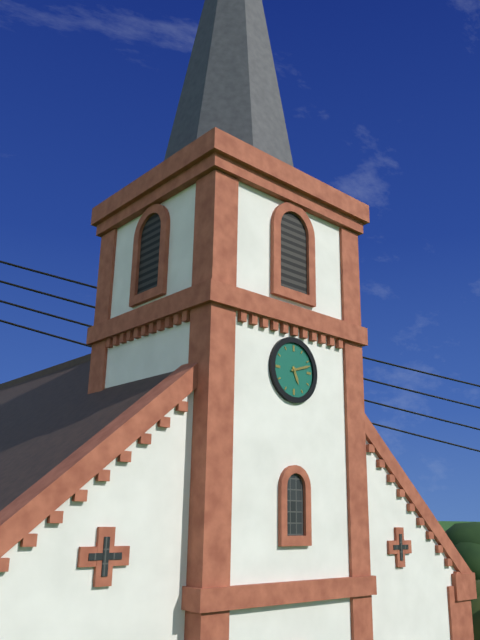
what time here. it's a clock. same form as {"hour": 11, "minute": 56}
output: {"hour": 5, "minute": 12}
